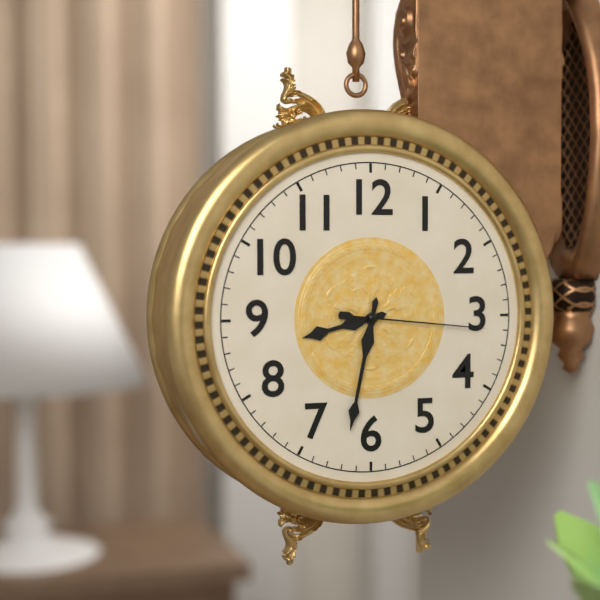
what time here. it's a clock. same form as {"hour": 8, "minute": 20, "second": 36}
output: {"hour": 8, "minute": 32, "second": 16}
